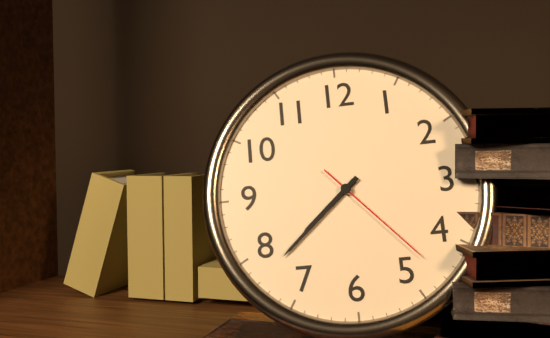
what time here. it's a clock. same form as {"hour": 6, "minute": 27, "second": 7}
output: {"hour": 7, "minute": 38, "second": 23}
